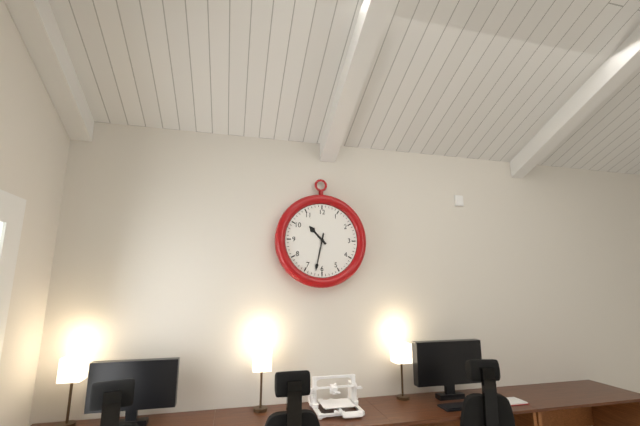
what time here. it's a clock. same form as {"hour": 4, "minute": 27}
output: {"hour": 10, "minute": 32}
